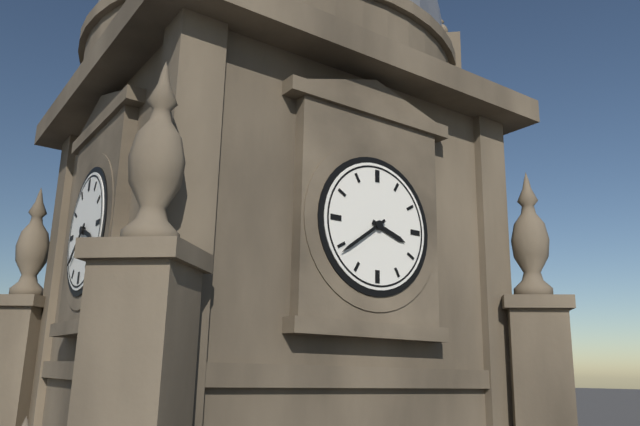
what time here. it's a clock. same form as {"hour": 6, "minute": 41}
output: {"hour": 3, "minute": 39}
